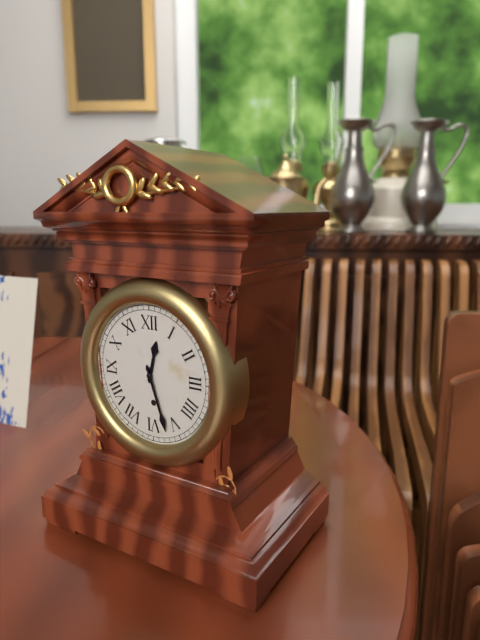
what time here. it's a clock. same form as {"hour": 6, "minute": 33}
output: {"hour": 12, "minute": 27}
